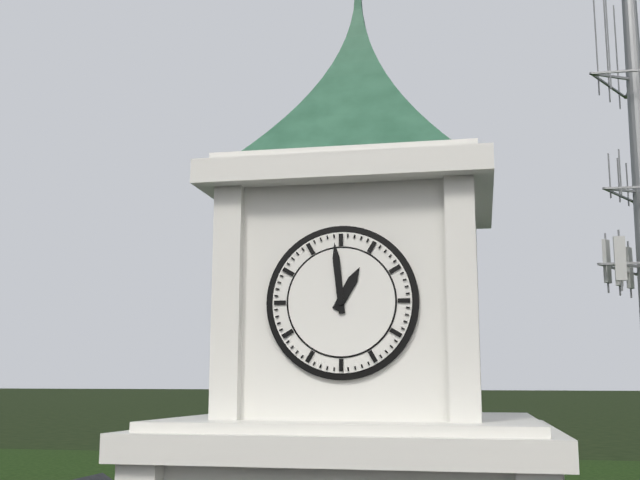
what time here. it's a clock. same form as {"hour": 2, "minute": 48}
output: {"hour": 12, "minute": 59}
